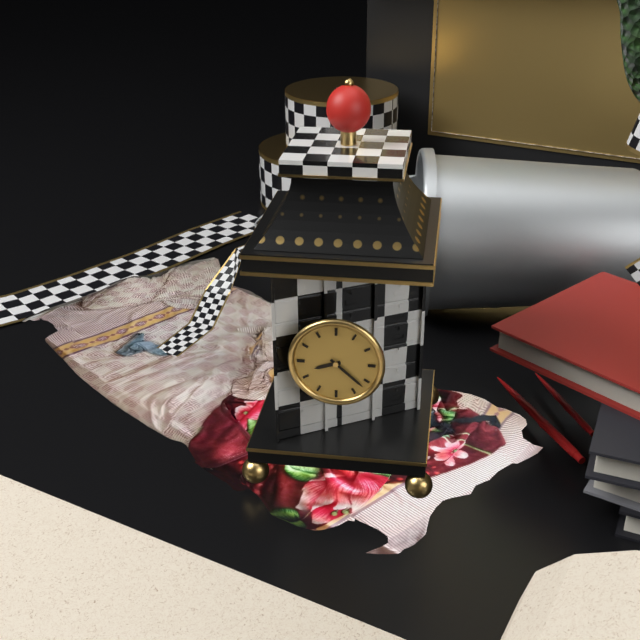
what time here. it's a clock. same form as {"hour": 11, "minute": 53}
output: {"hour": 8, "minute": 22}
